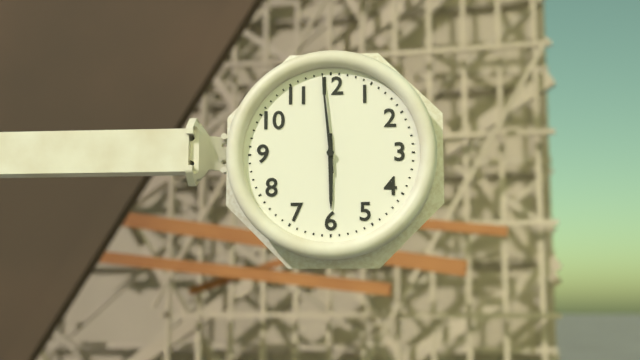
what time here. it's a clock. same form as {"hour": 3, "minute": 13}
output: {"hour": 5, "minute": 59}
